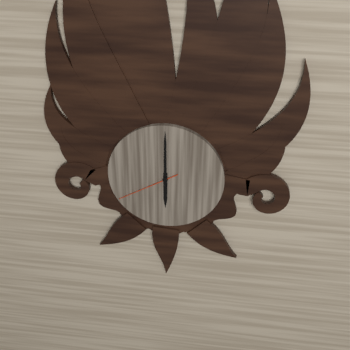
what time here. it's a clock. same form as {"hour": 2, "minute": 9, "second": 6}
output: {"hour": 6, "minute": 0, "second": 40}
